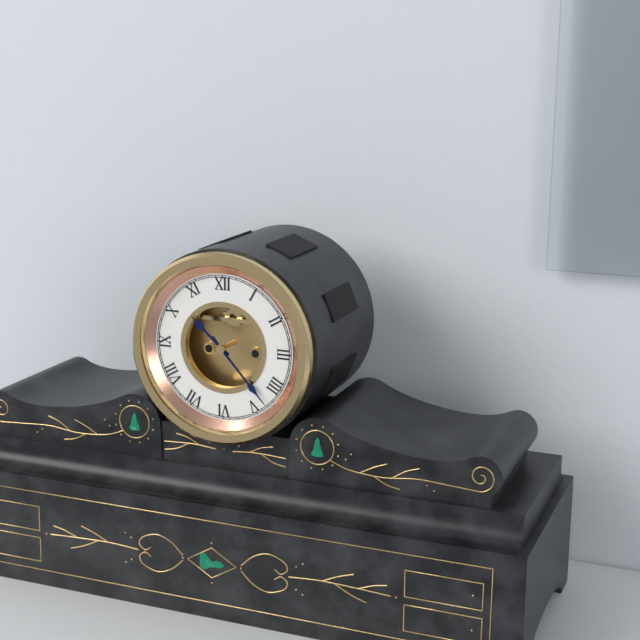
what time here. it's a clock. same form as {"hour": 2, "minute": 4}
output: {"hour": 10, "minute": 23}
